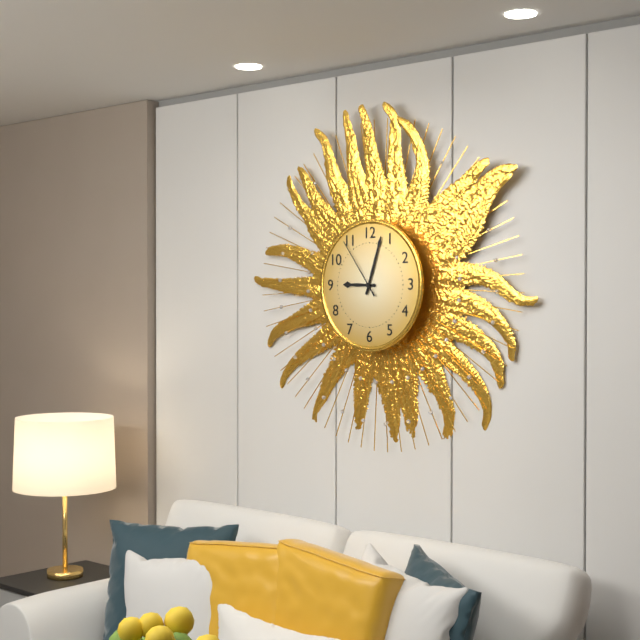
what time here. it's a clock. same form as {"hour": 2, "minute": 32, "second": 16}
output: {"hour": 9, "minute": 3, "second": 54}
